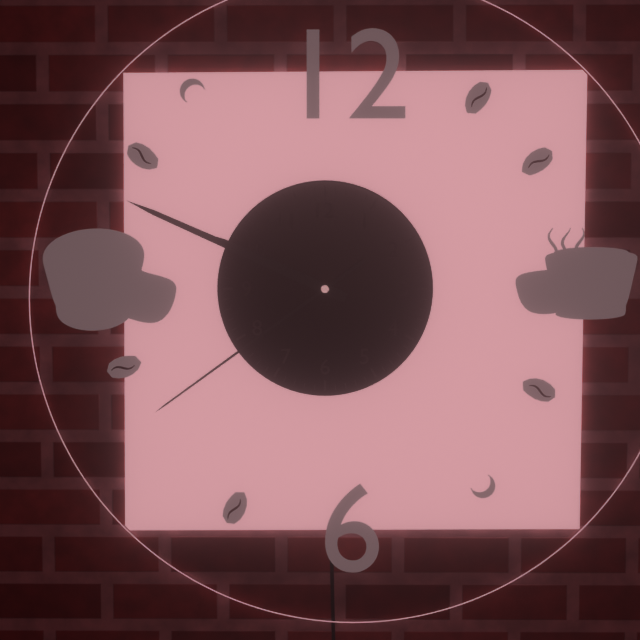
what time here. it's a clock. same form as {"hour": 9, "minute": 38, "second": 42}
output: {"hour": 9, "minute": 49, "second": 39}
